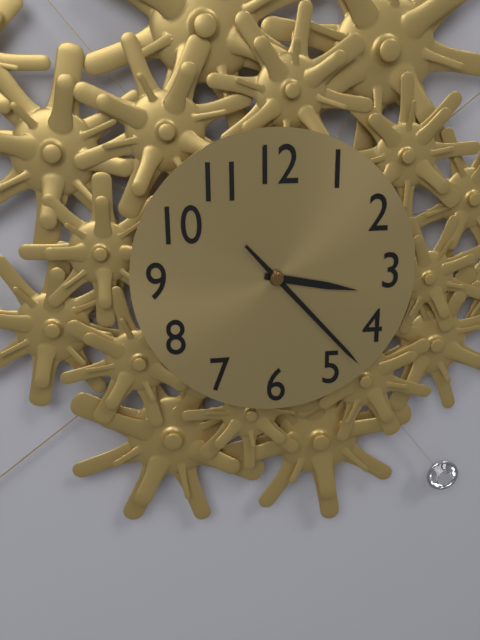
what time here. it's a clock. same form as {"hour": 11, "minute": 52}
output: {"hour": 3, "minute": 23}
